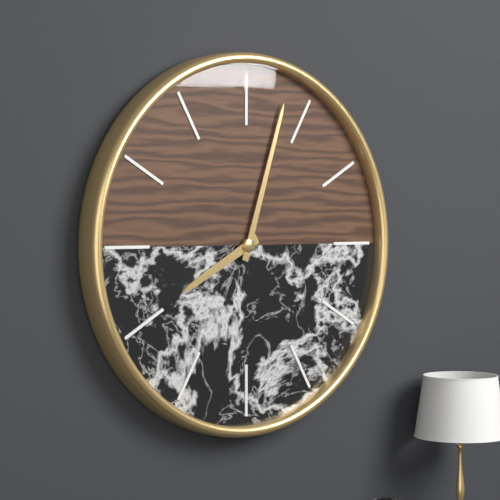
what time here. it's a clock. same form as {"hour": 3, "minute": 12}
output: {"hour": 8, "minute": 3}
